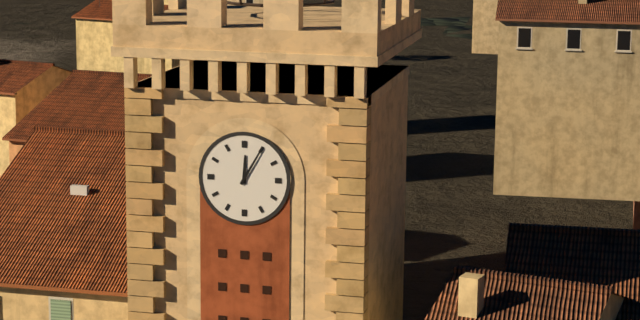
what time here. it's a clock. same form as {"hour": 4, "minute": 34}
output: {"hour": 12, "minute": 5}
